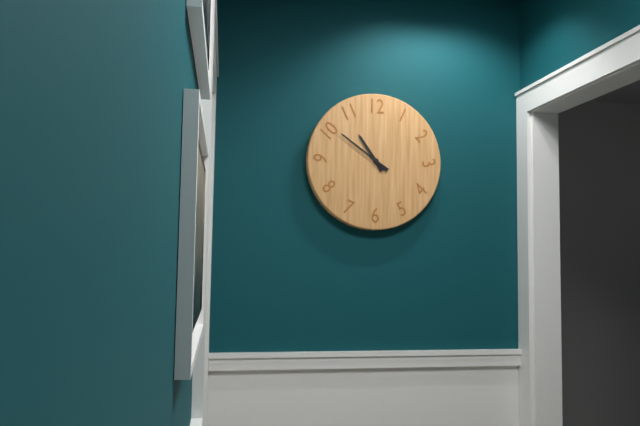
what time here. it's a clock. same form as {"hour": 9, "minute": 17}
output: {"hour": 10, "minute": 51}
